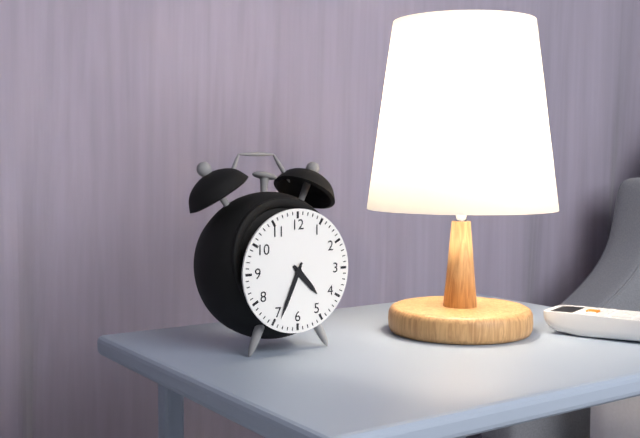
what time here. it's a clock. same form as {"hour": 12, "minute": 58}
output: {"hour": 4, "minute": 34}
